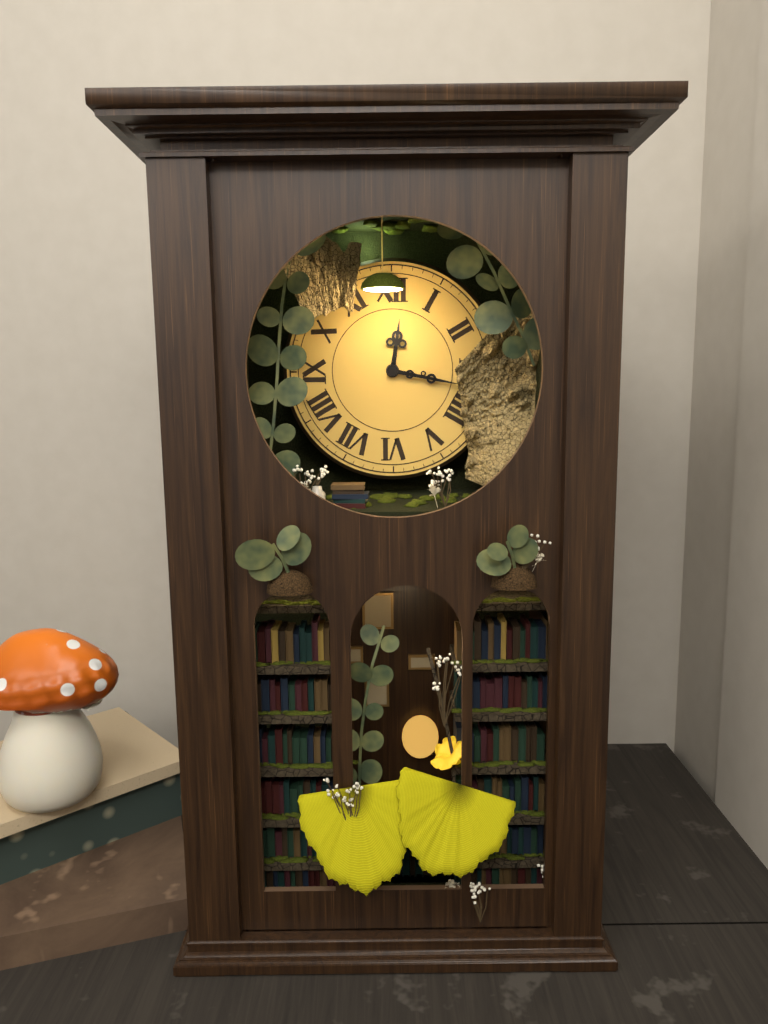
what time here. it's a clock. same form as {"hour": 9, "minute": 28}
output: {"hour": 12, "minute": 17}
